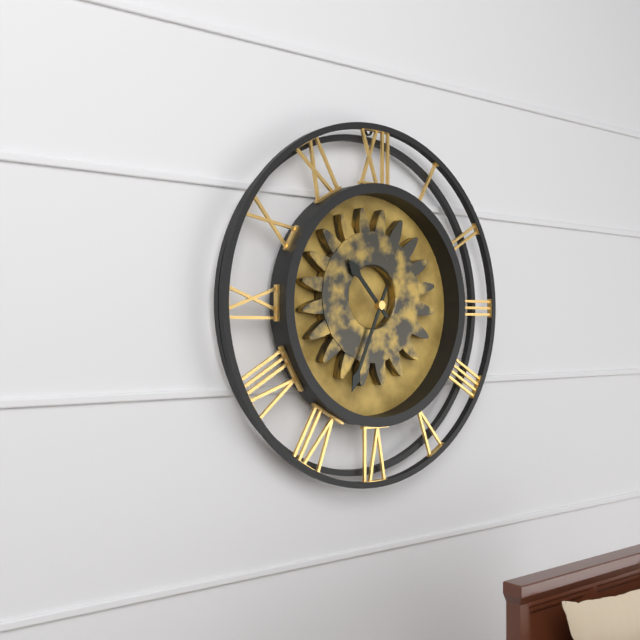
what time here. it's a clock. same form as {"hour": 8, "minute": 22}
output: {"hour": 10, "minute": 34}
